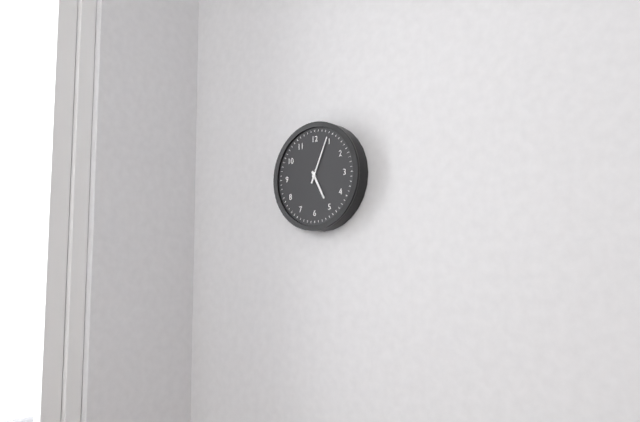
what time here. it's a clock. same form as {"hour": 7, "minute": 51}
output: {"hour": 5, "minute": 4}
